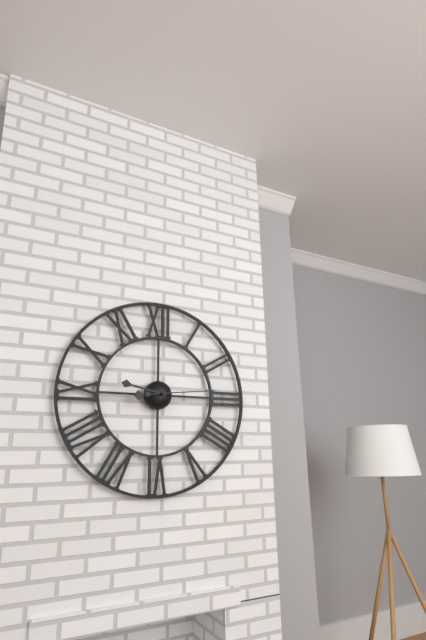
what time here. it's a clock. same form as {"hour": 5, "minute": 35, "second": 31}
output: {"hour": 8, "minute": 47, "second": 14}
